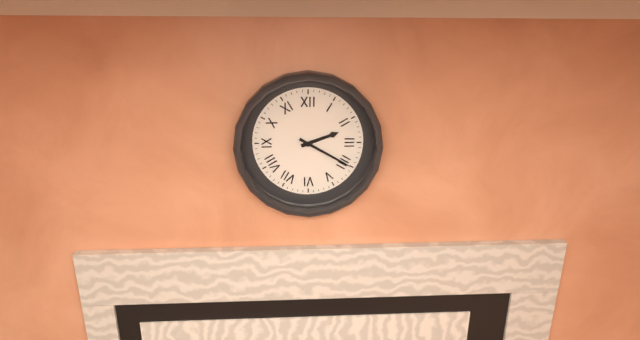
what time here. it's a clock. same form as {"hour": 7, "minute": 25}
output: {"hour": 2, "minute": 20}
